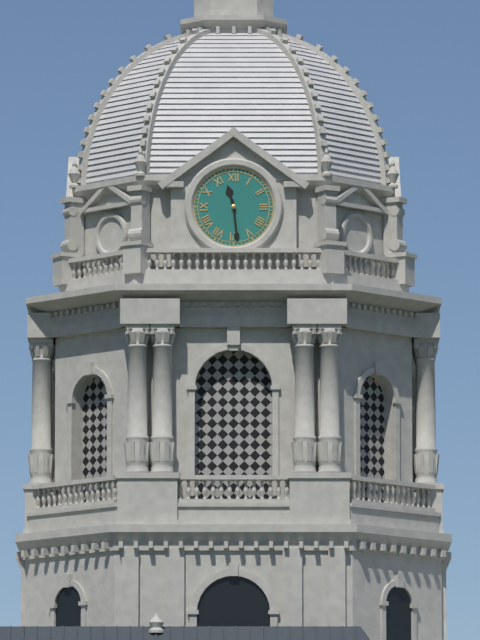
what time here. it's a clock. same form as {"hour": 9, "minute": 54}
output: {"hour": 11, "minute": 29}
